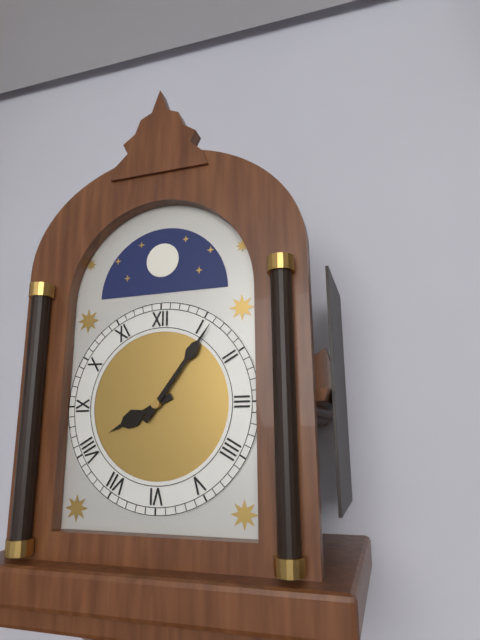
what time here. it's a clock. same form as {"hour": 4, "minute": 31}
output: {"hour": 8, "minute": 6}
